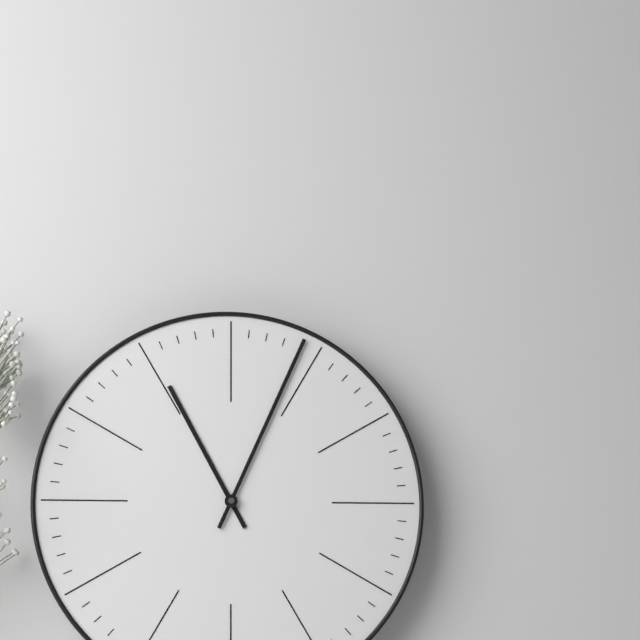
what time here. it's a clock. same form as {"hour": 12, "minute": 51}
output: {"hour": 11, "minute": 4}
